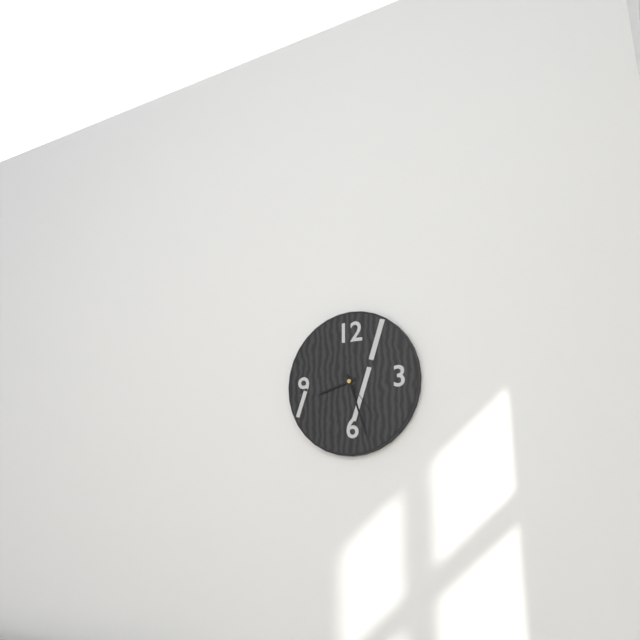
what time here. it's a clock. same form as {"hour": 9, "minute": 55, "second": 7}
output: {"hour": 8, "minute": 27, "second": 24}
